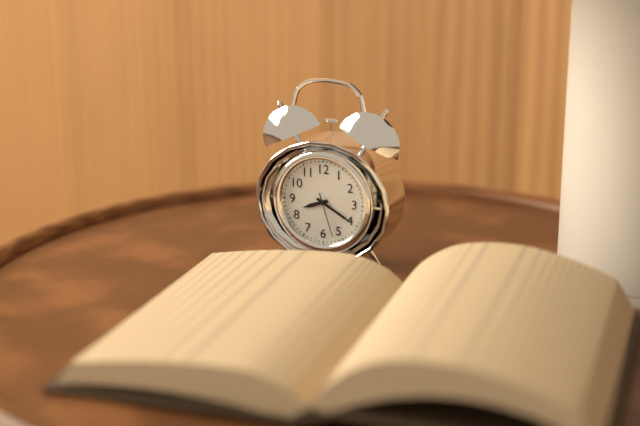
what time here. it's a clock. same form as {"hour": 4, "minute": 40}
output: {"hour": 8, "minute": 20}
